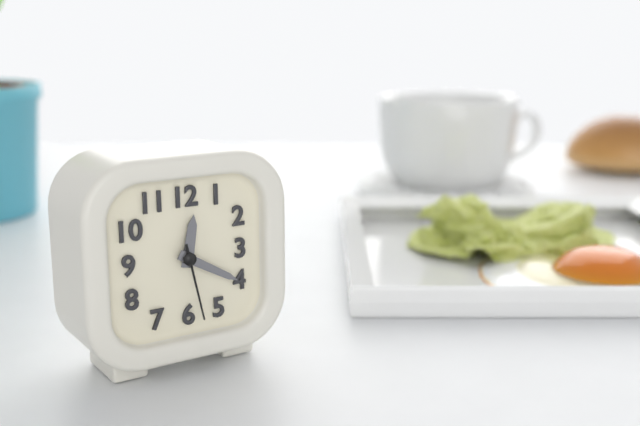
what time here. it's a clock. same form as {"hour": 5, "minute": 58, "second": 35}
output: {"hour": 12, "minute": 20, "second": 28}
